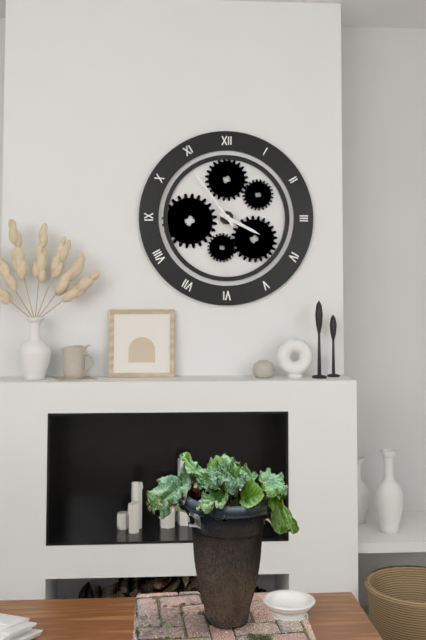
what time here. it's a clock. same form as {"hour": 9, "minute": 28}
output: {"hour": 3, "minute": 54}
